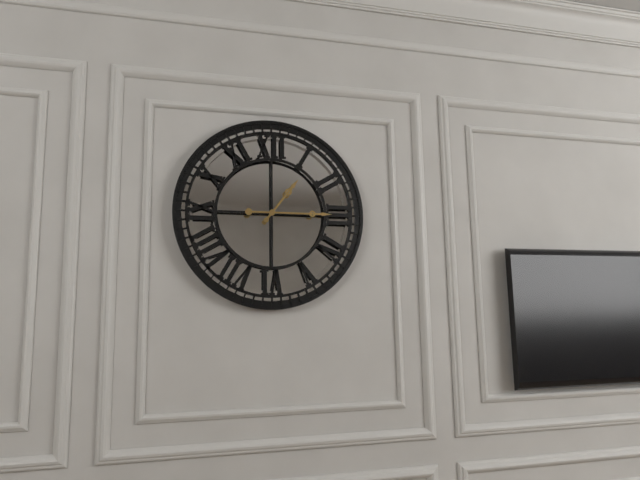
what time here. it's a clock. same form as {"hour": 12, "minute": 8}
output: {"hour": 1, "minute": 15}
